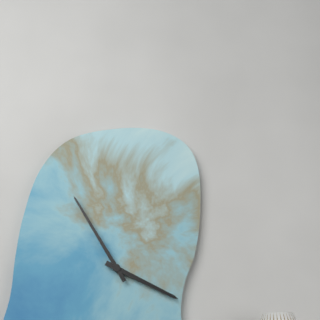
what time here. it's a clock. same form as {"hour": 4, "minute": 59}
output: {"hour": 3, "minute": 55}
